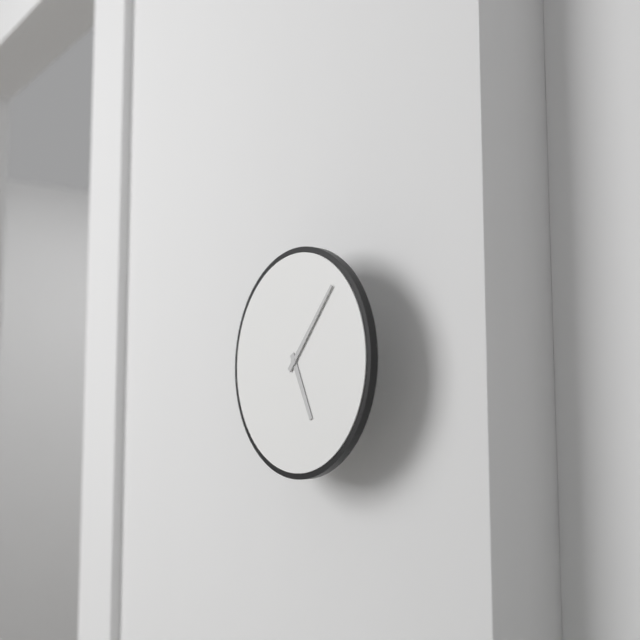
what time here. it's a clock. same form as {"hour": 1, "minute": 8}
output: {"hour": 5, "minute": 7}
